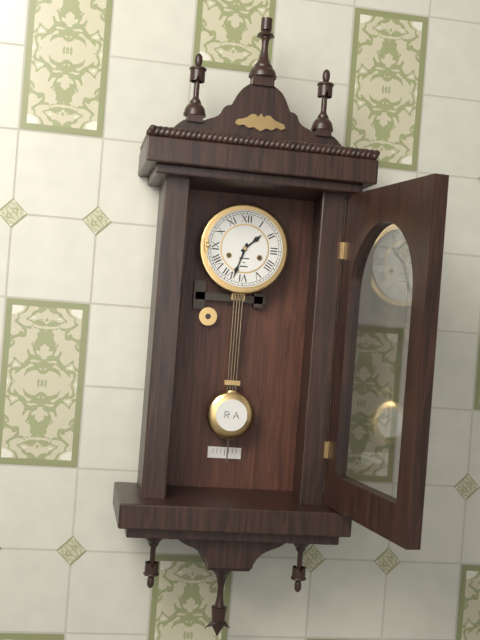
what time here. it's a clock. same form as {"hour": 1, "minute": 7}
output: {"hour": 1, "minute": 33}
